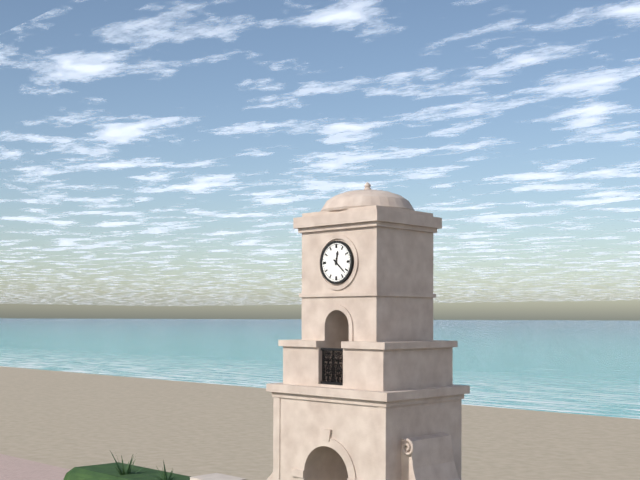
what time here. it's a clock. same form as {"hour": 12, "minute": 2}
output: {"hour": 12, "minute": 22}
